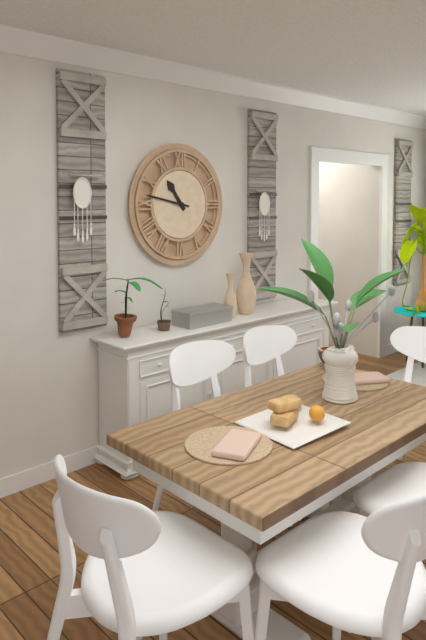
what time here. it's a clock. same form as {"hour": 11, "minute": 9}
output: {"hour": 10, "minute": 47}
